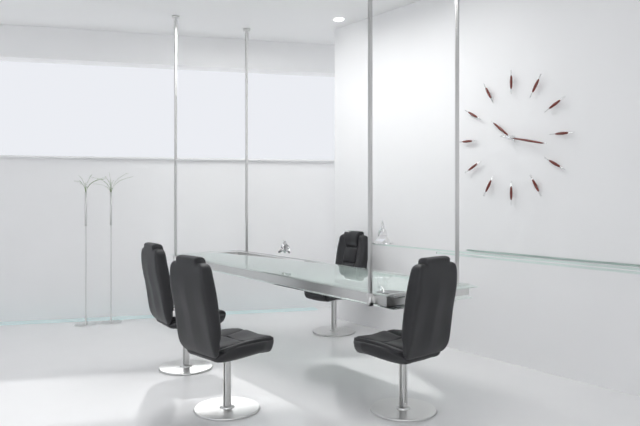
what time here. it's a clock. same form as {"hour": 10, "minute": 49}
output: {"hour": 10, "minute": 17}
